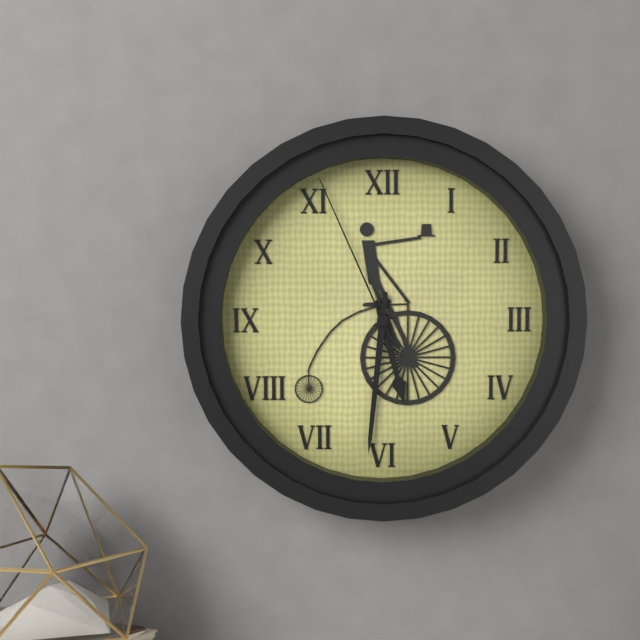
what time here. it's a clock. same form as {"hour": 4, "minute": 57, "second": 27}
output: {"hour": 5, "minute": 31, "second": 56}
